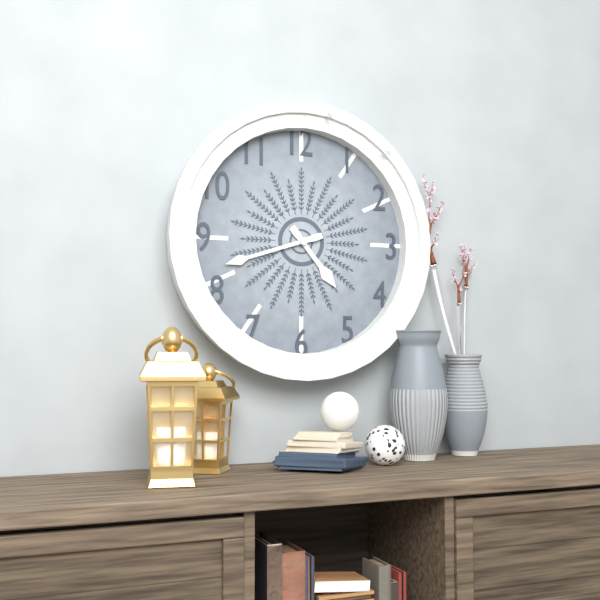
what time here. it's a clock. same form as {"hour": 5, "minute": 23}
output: {"hour": 4, "minute": 42}
